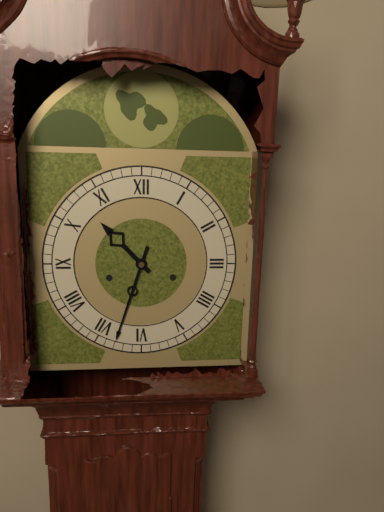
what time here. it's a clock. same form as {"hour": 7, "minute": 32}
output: {"hour": 10, "minute": 33}
